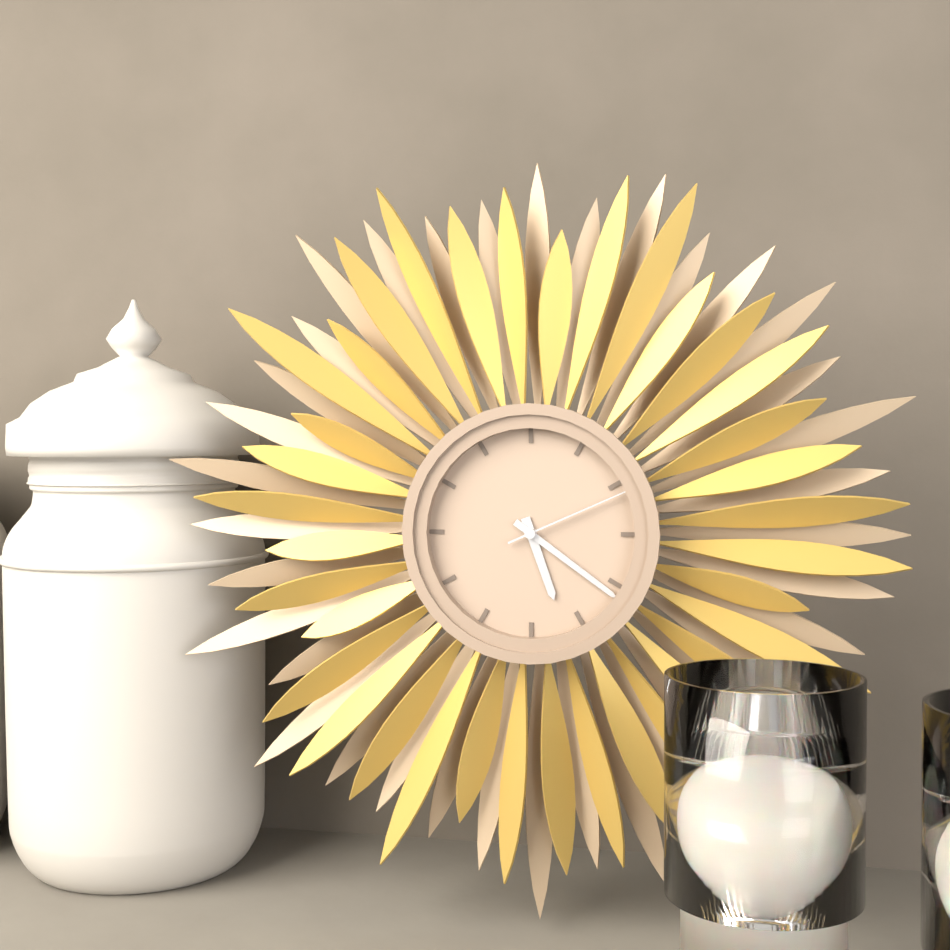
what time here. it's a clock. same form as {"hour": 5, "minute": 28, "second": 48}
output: {"hour": 5, "minute": 21, "second": 11}
